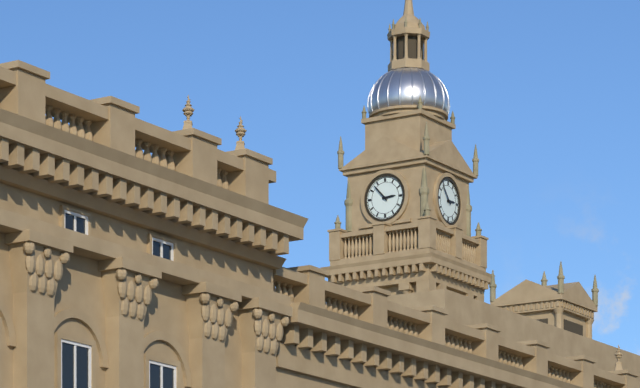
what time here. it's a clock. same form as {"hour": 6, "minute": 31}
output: {"hour": 2, "minute": 53}
